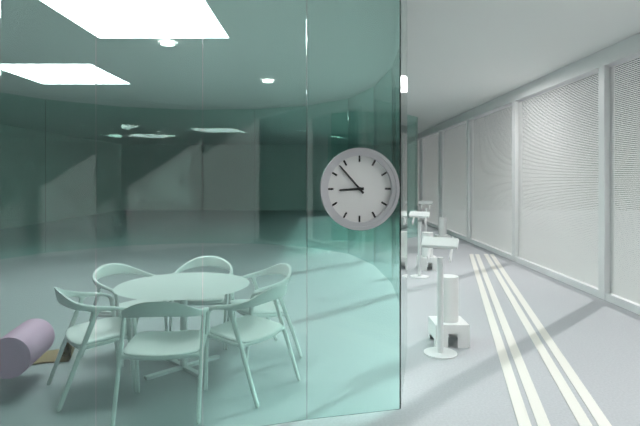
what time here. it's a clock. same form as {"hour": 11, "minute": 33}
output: {"hour": 8, "minute": 53}
